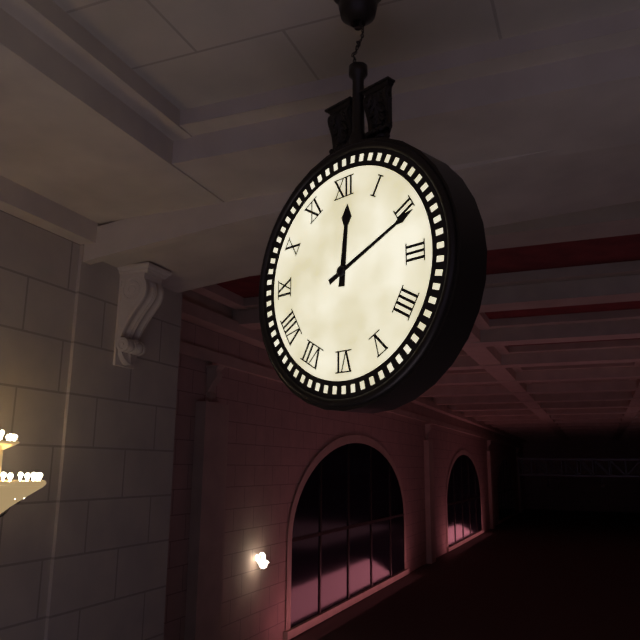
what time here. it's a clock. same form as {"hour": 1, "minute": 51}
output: {"hour": 12, "minute": 11}
